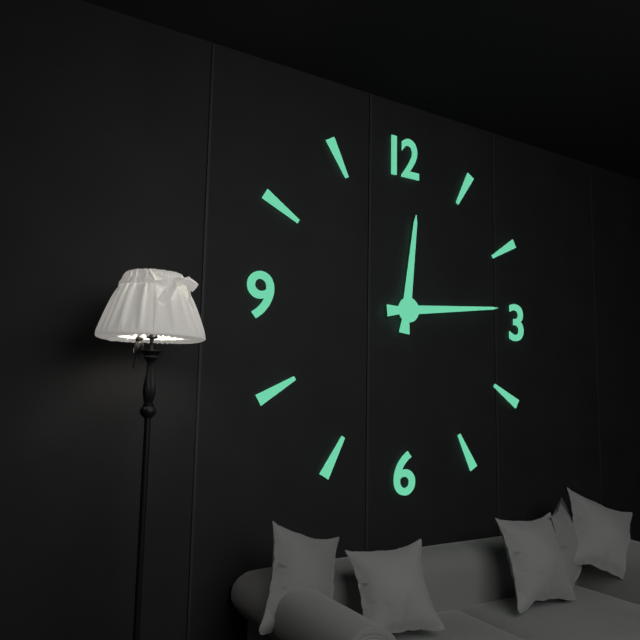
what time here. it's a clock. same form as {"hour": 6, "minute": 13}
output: {"hour": 12, "minute": 14}
